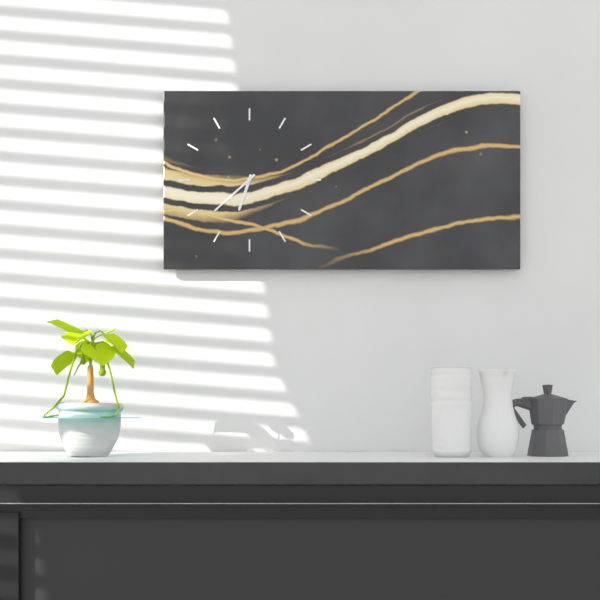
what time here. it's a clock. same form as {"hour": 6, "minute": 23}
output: {"hour": 6, "minute": 38}
